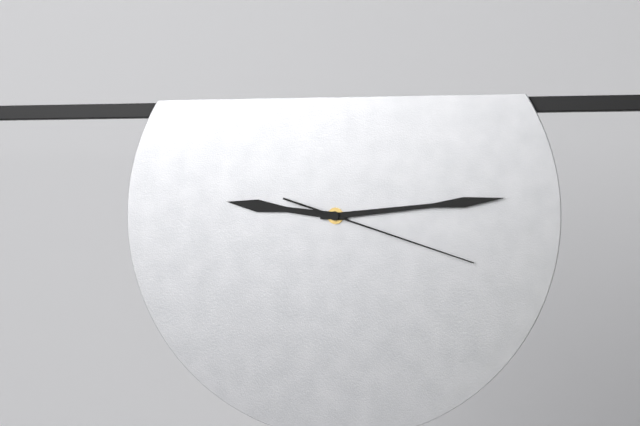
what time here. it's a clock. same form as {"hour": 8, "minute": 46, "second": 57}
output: {"hour": 9, "minute": 14, "second": 18}
